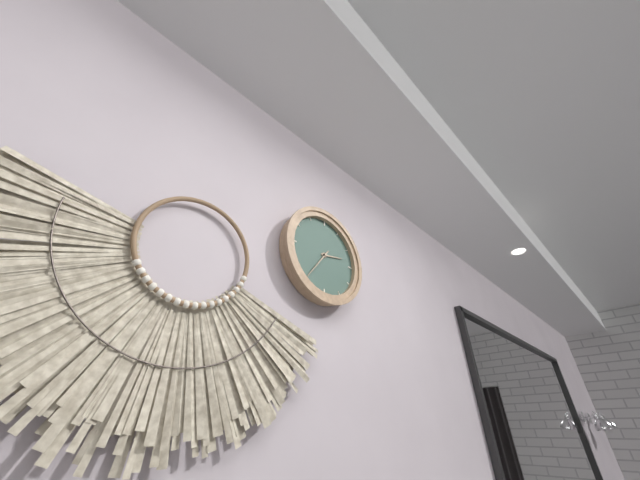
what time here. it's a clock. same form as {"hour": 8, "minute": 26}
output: {"hour": 2, "minute": 36}
